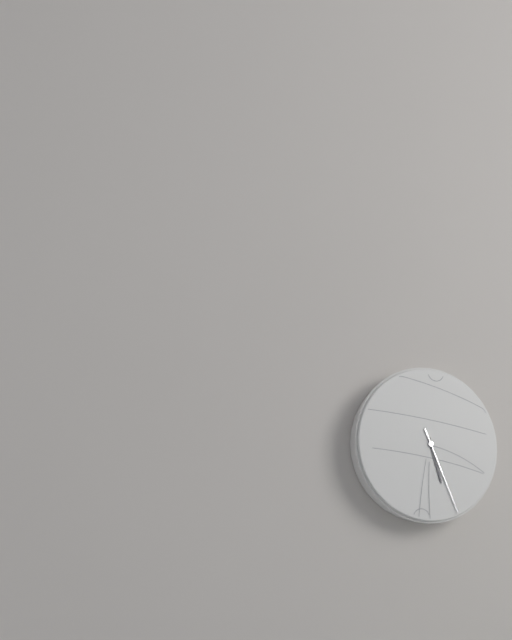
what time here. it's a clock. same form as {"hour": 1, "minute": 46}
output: {"hour": 5, "minute": 26}
